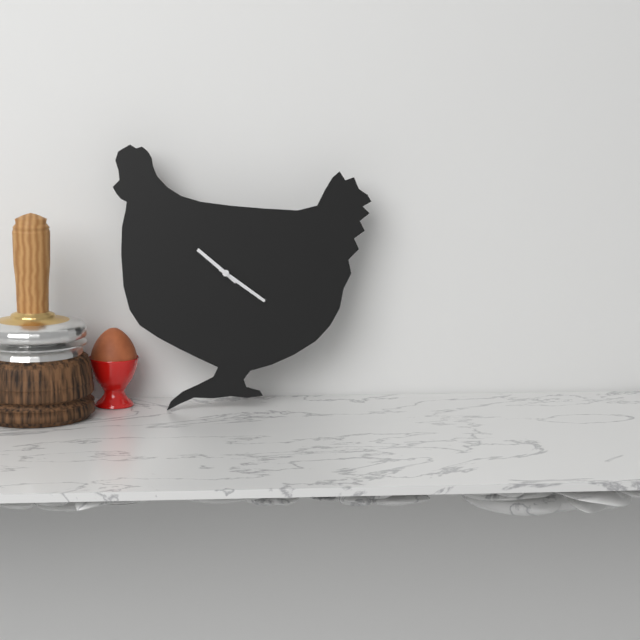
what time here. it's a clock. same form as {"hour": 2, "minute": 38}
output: {"hour": 10, "minute": 21}
